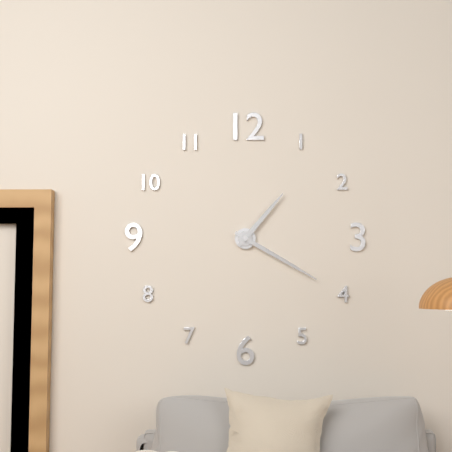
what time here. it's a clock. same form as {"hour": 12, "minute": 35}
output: {"hour": 1, "minute": 20}
